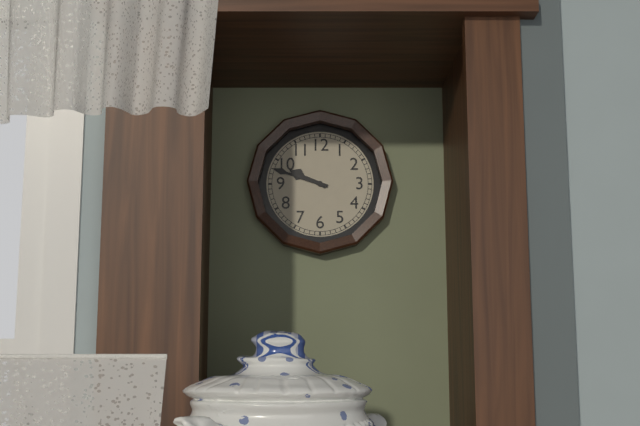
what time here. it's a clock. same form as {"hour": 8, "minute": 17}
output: {"hour": 9, "minute": 48}
